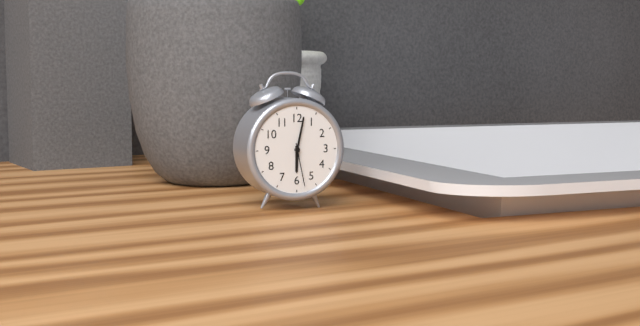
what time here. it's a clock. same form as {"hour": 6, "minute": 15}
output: {"hour": 6, "minute": 2}
